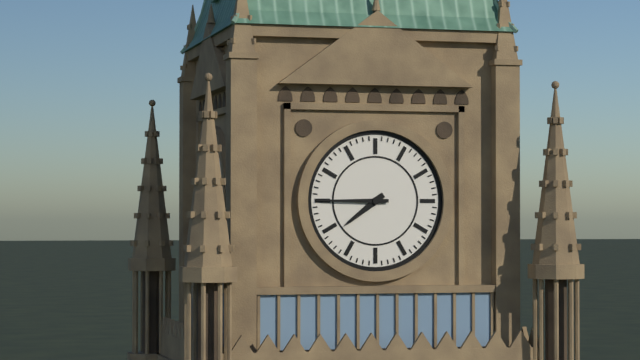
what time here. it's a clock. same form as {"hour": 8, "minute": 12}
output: {"hour": 7, "minute": 45}
